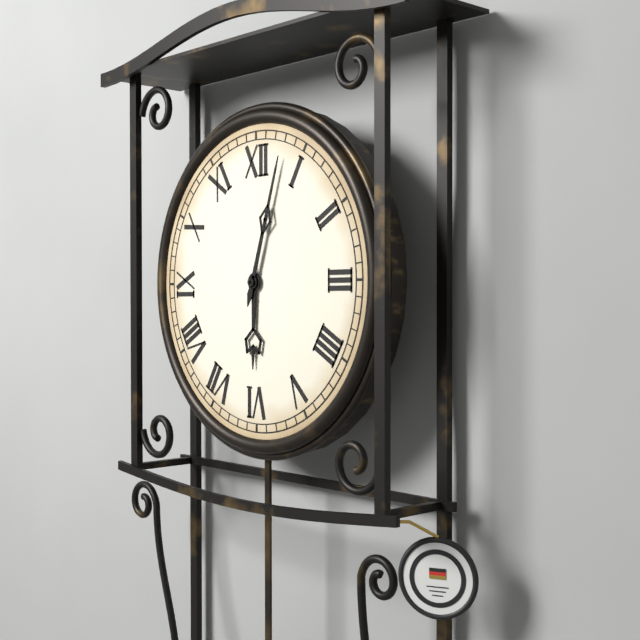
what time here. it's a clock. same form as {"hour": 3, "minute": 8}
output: {"hour": 6, "minute": 3}
